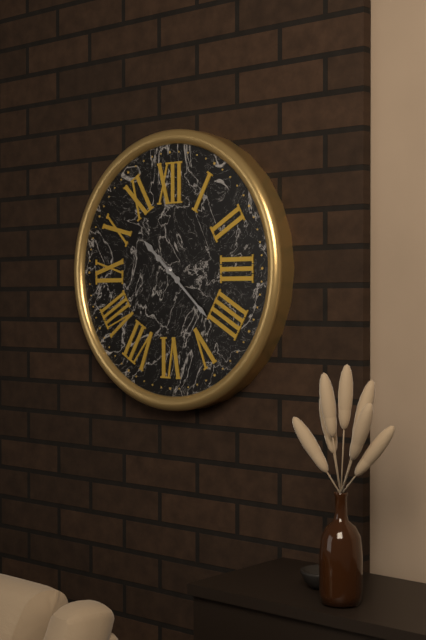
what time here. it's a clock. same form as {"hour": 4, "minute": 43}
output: {"hour": 10, "minute": 22}
